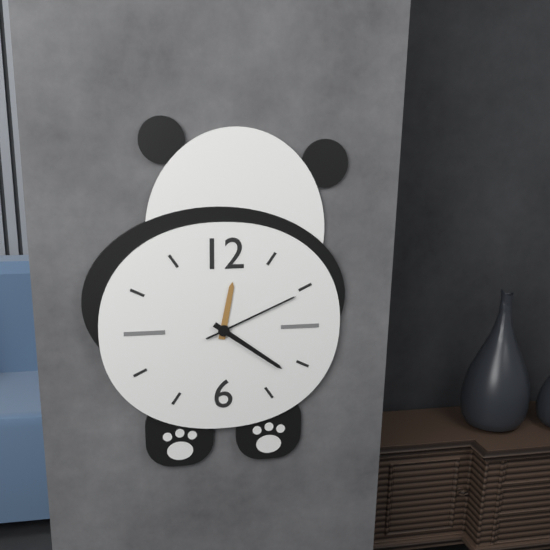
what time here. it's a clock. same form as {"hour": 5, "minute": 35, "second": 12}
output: {"hour": 12, "minute": 21, "second": 11}
